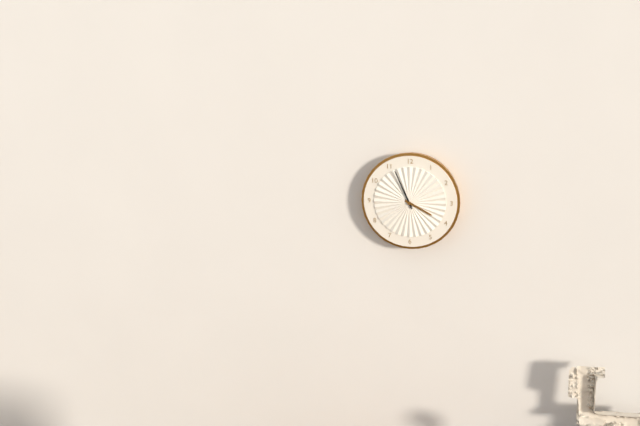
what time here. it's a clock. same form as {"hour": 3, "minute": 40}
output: {"hour": 3, "minute": 56}
